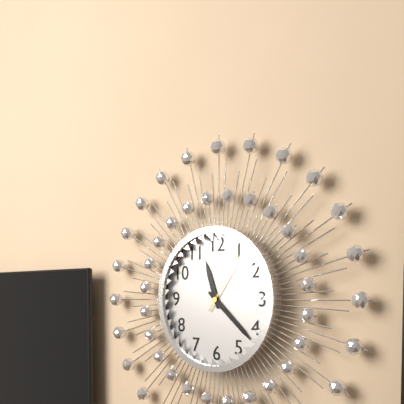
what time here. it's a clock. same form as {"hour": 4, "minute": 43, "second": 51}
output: {"hour": 11, "minute": 22, "second": 6}
